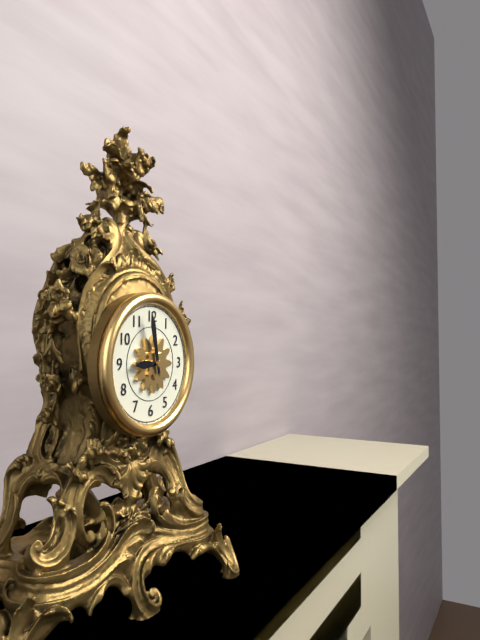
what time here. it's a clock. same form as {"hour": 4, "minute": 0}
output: {"hour": 8, "minute": 58}
